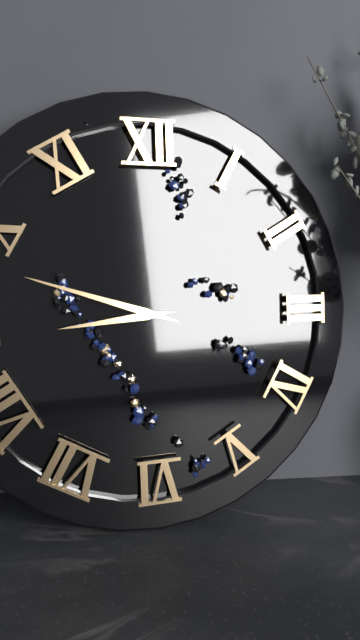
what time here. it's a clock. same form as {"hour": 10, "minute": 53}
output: {"hour": 8, "minute": 48}
